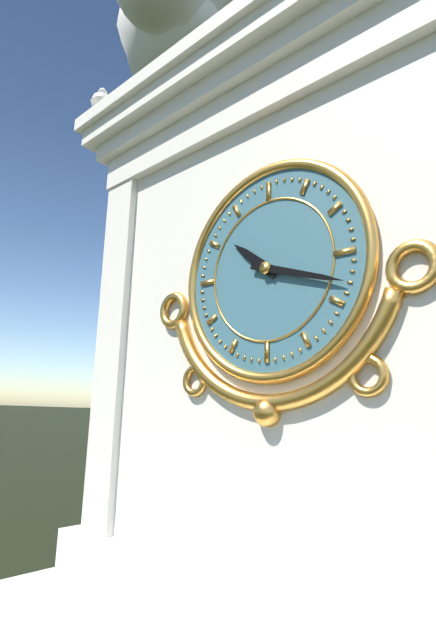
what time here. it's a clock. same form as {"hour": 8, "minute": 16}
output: {"hour": 10, "minute": 18}
